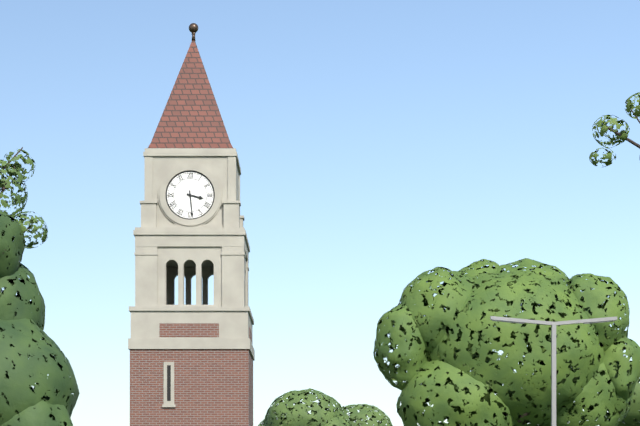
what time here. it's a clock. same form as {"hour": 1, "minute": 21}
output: {"hour": 3, "minute": 29}
